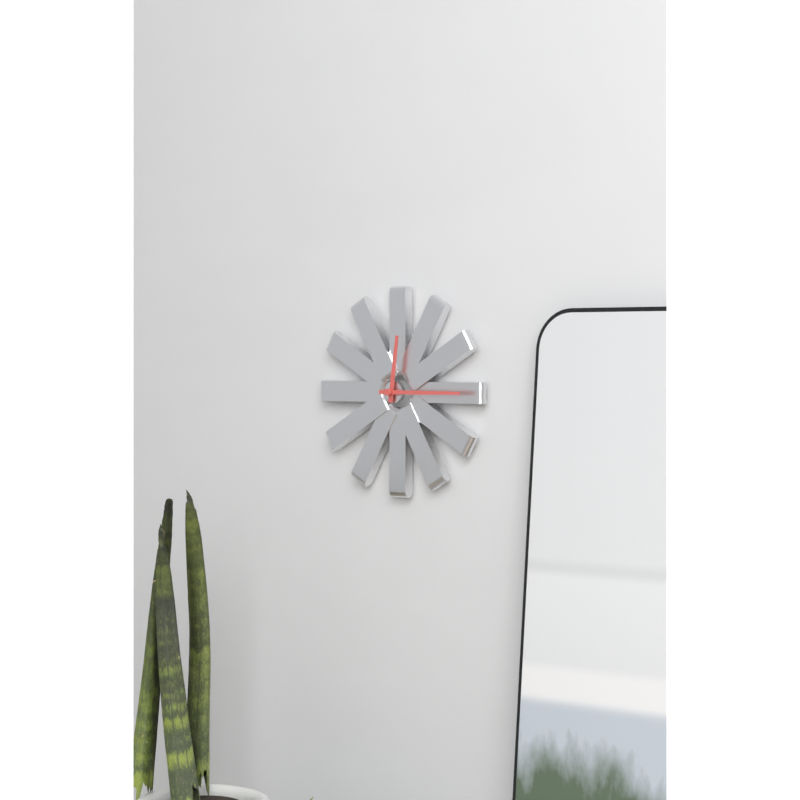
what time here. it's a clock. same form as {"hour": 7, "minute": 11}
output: {"hour": 12, "minute": 15}
